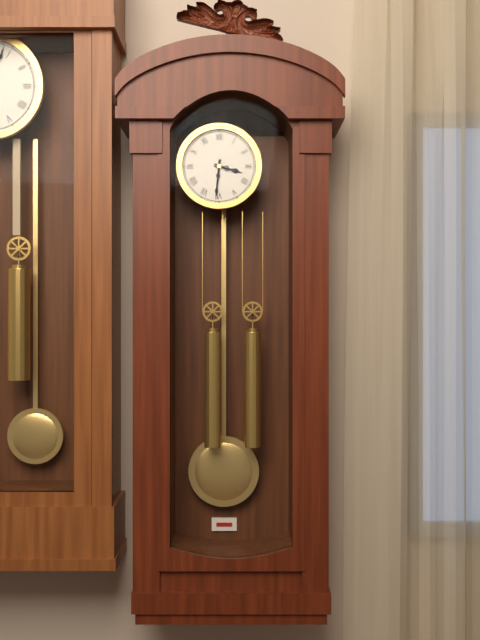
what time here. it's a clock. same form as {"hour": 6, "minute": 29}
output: {"hour": 3, "minute": 31}
